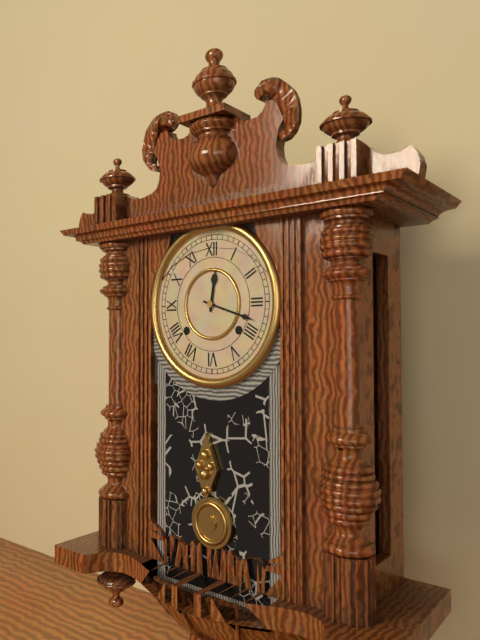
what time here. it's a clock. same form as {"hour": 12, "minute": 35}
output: {"hour": 12, "minute": 18}
